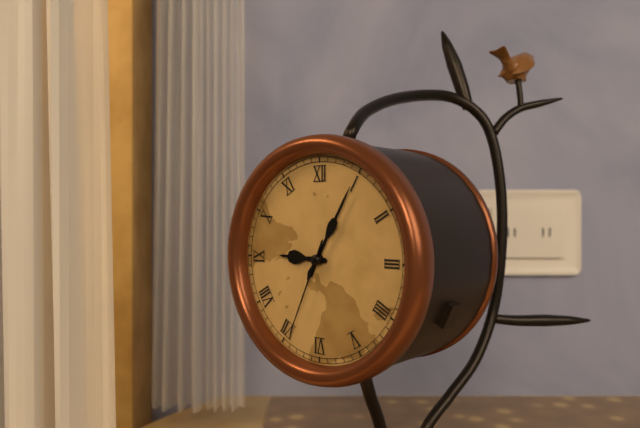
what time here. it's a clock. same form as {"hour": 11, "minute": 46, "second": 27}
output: {"hour": 9, "minute": 5, "second": 34}
